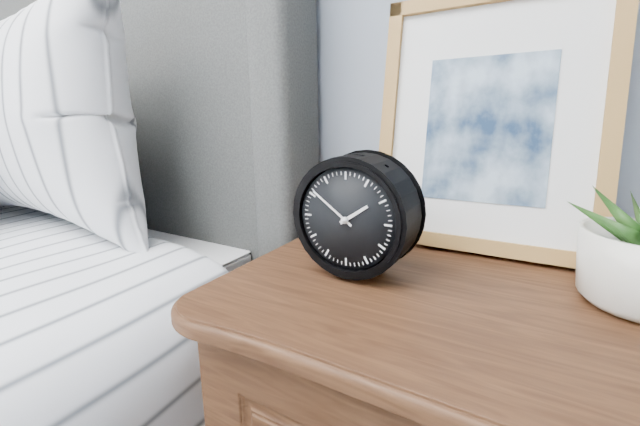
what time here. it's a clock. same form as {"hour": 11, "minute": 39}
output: {"hour": 1, "minute": 51}
